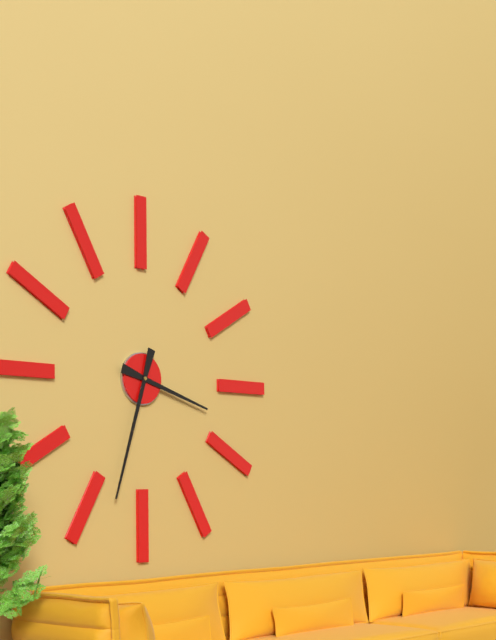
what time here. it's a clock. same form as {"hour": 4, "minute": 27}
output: {"hour": 3, "minute": 33}
